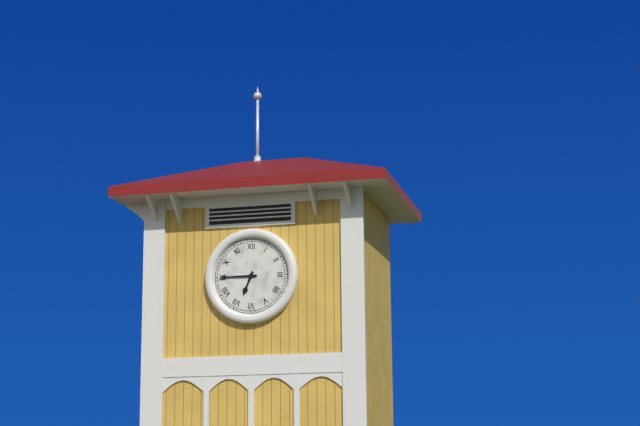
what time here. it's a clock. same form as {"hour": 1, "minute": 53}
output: {"hour": 6, "minute": 45}
